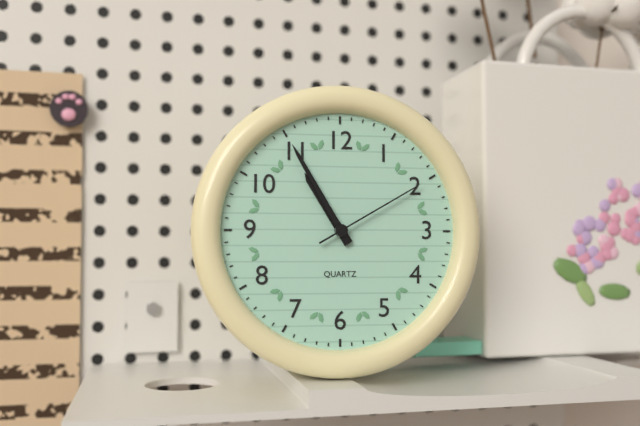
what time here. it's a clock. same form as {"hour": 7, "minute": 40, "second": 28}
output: {"hour": 10, "minute": 55, "second": 10}
